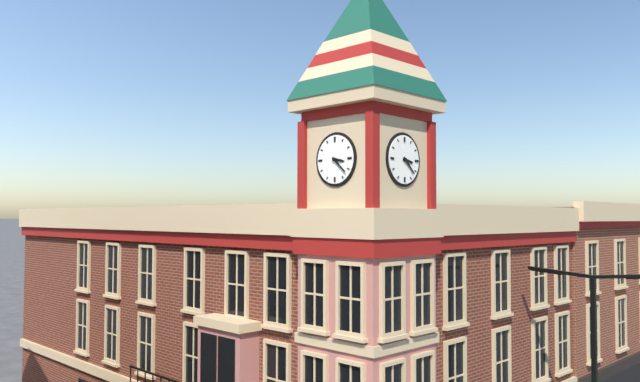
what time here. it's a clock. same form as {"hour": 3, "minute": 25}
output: {"hour": 3, "minute": 22}
